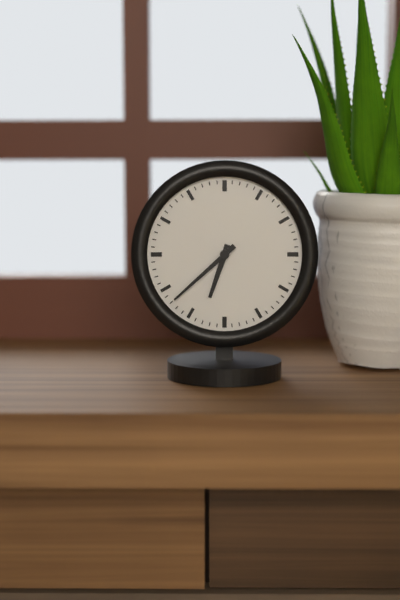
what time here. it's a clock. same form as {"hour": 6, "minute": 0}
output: {"hour": 6, "minute": 38}
